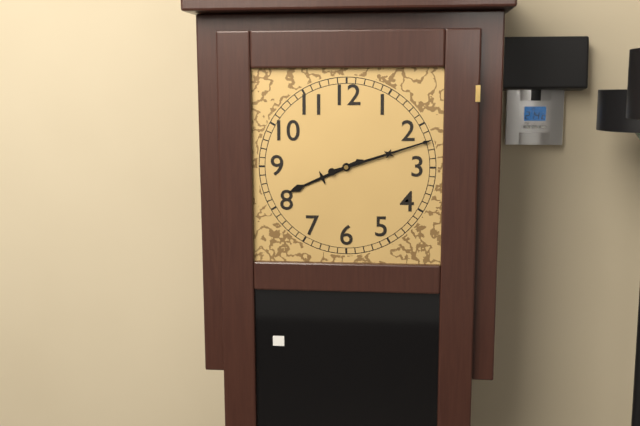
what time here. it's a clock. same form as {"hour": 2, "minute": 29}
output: {"hour": 8, "minute": 12}
